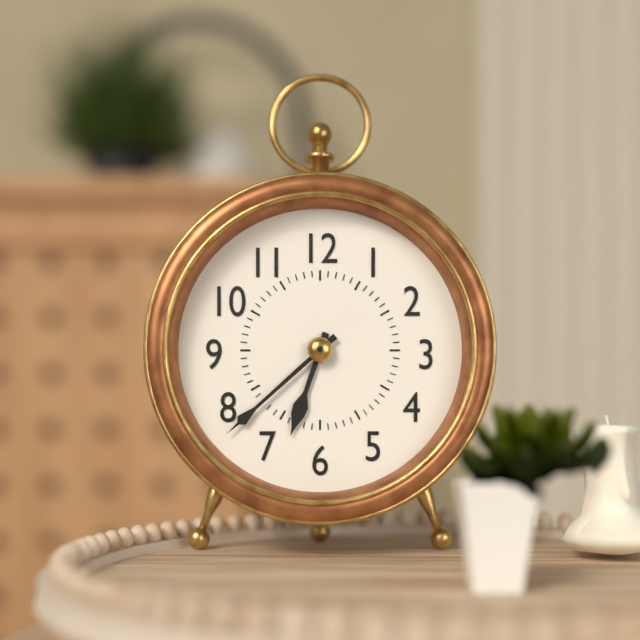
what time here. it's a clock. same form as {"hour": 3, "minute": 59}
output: {"hour": 6, "minute": 38}
